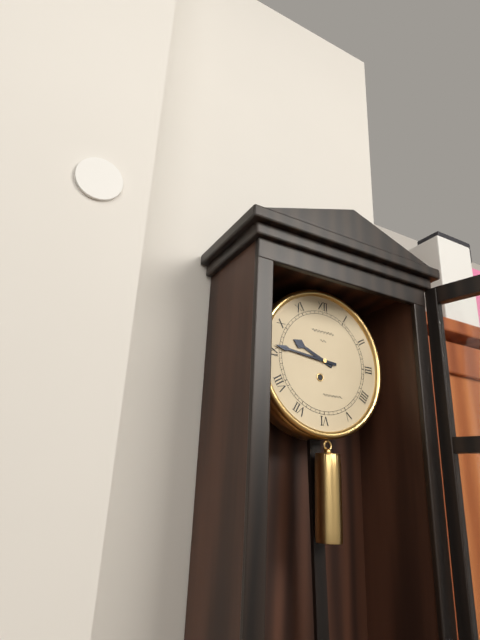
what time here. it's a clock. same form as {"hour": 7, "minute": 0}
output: {"hour": 9, "minute": 46}
